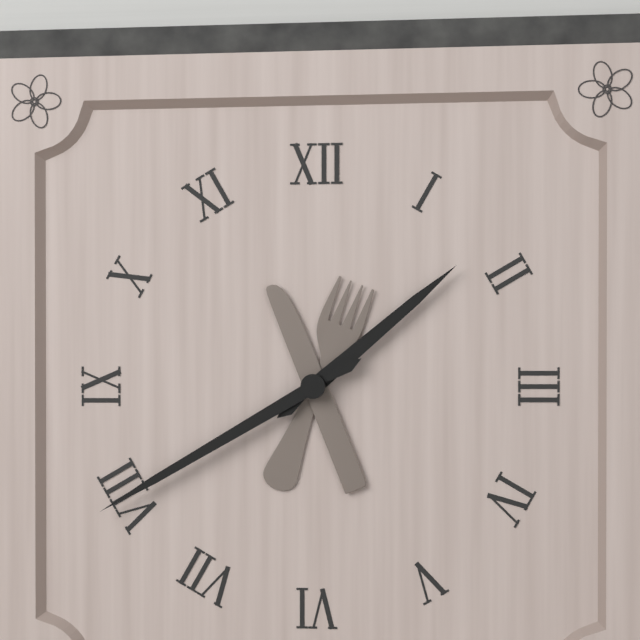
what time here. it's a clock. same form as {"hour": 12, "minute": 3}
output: {"hour": 1, "minute": 40}
